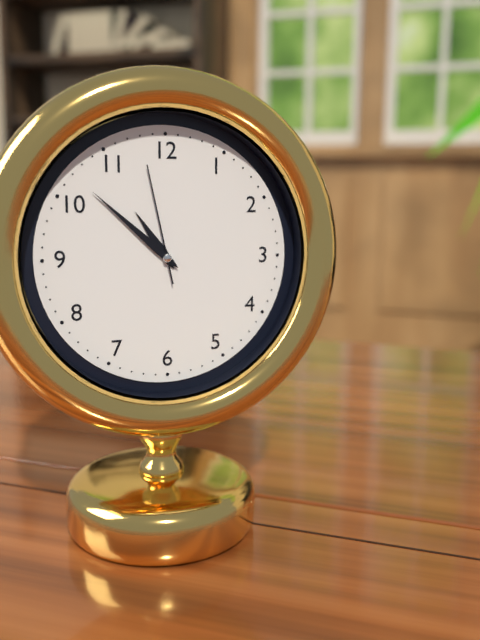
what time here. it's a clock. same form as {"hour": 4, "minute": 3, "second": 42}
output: {"hour": 10, "minute": 52, "second": 58}
